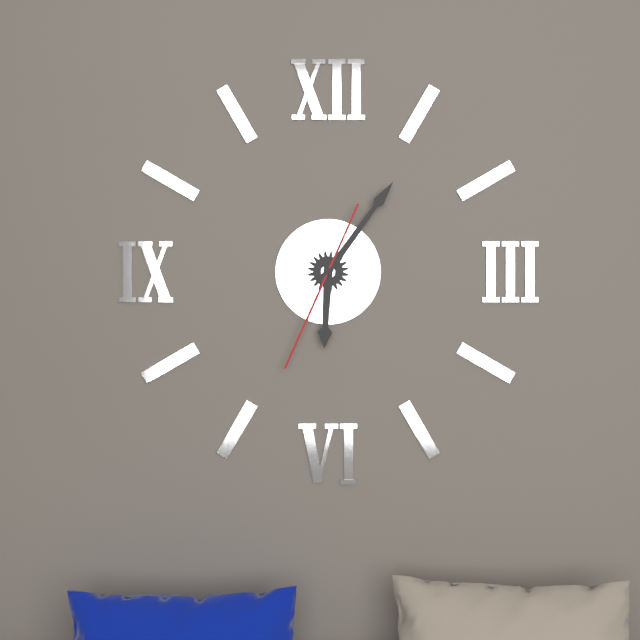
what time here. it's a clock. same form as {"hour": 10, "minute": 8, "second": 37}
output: {"hour": 6, "minute": 6, "second": 34}
